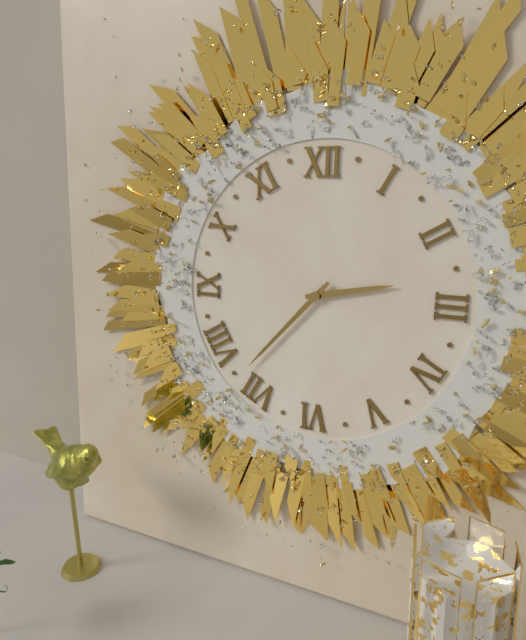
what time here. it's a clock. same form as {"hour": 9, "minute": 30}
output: {"hour": 2, "minute": 37}
